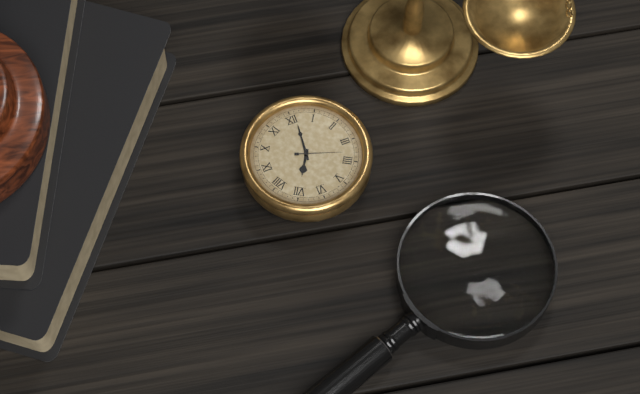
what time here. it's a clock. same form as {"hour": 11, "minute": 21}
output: {"hour": 7, "minute": 1}
